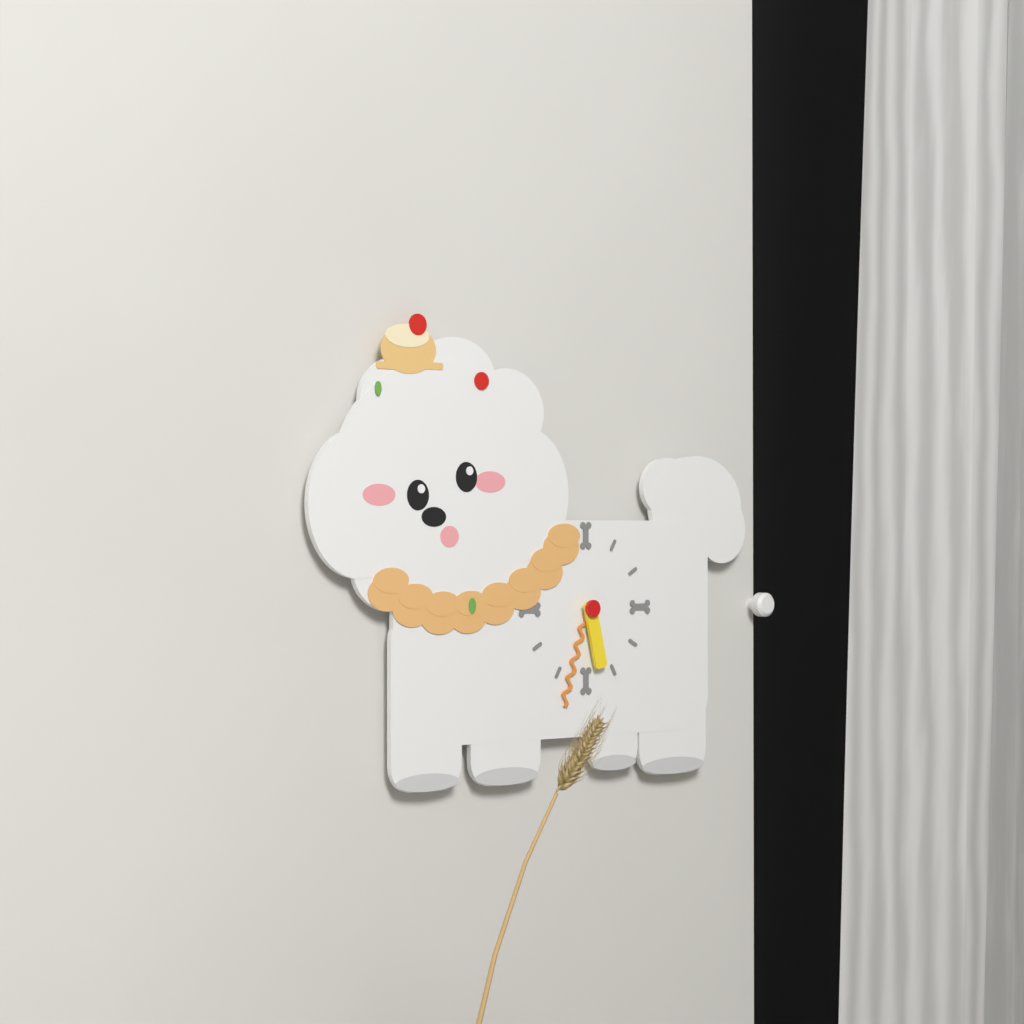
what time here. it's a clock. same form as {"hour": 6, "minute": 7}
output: {"hour": 5, "minute": 33}
